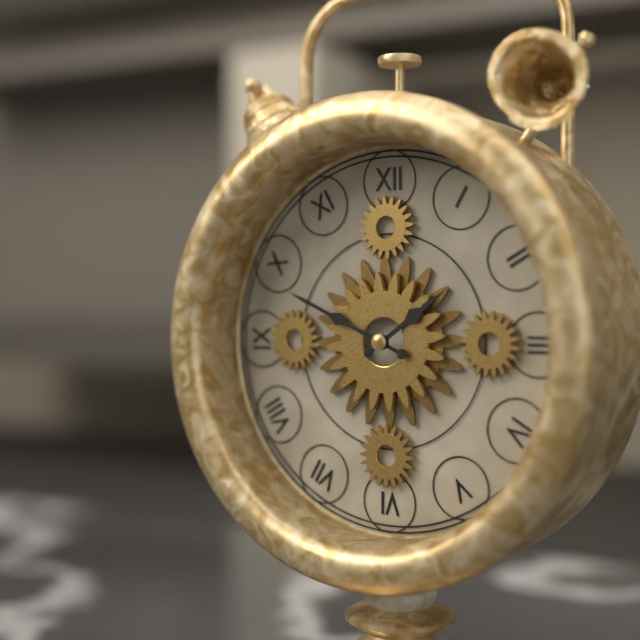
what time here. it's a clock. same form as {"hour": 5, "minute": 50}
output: {"hour": 1, "minute": 49}
